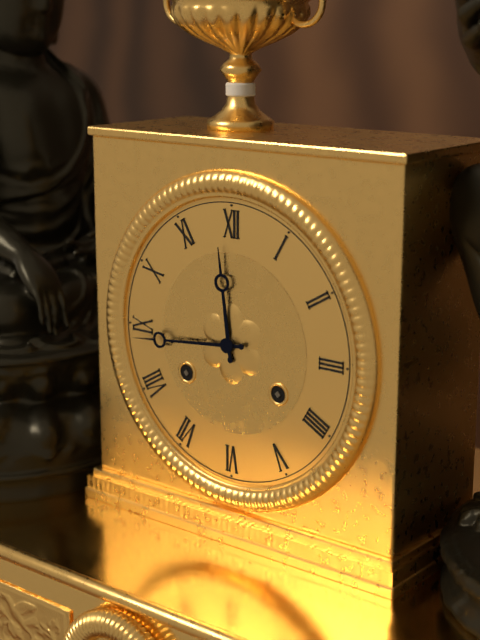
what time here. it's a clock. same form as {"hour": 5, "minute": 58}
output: {"hour": 11, "minute": 44}
